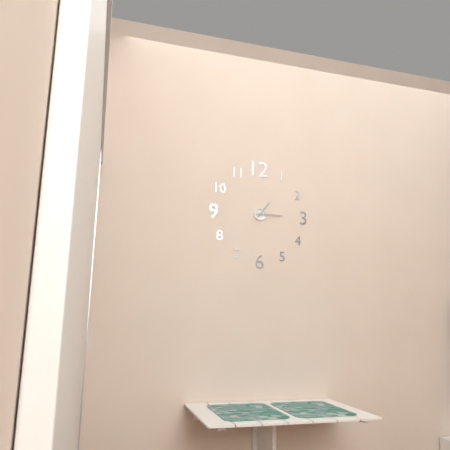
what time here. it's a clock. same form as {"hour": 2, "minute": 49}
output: {"hour": 1, "minute": 15}
